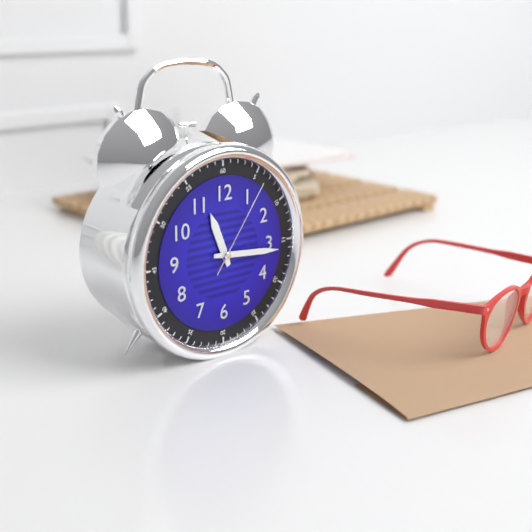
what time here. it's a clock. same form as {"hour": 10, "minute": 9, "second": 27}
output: {"hour": 11, "minute": 16, "second": 6}
